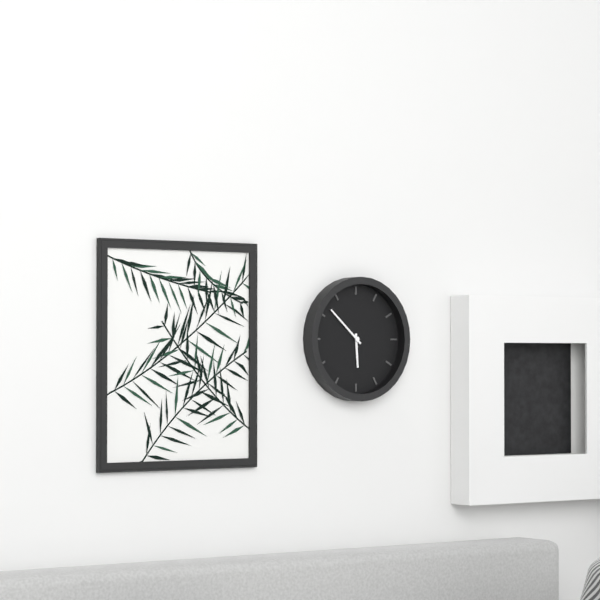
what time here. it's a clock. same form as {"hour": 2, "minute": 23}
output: {"hour": 5, "minute": 52}
